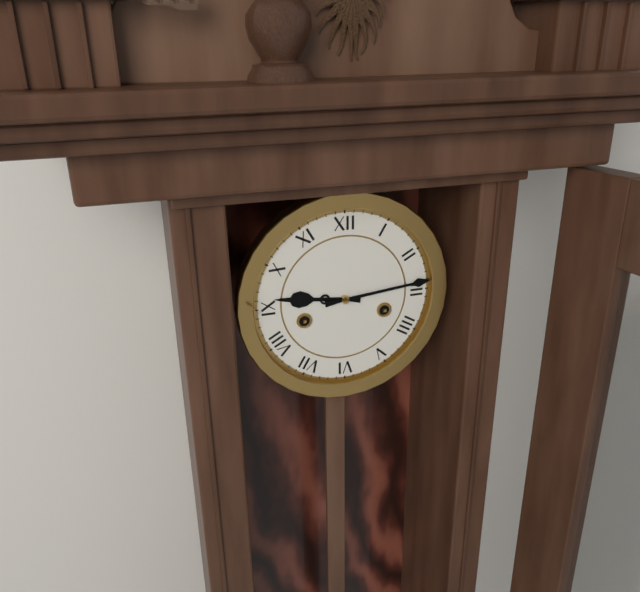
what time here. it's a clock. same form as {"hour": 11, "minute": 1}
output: {"hour": 9, "minute": 14}
